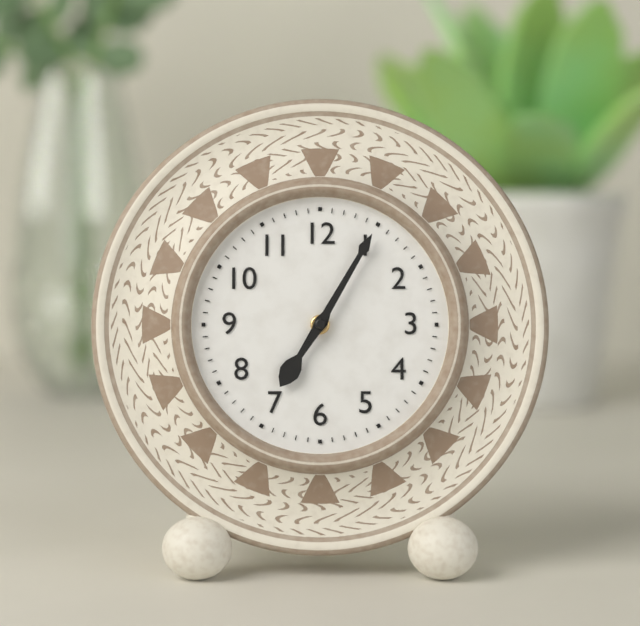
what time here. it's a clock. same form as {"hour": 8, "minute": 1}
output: {"hour": 7, "minute": 5}
